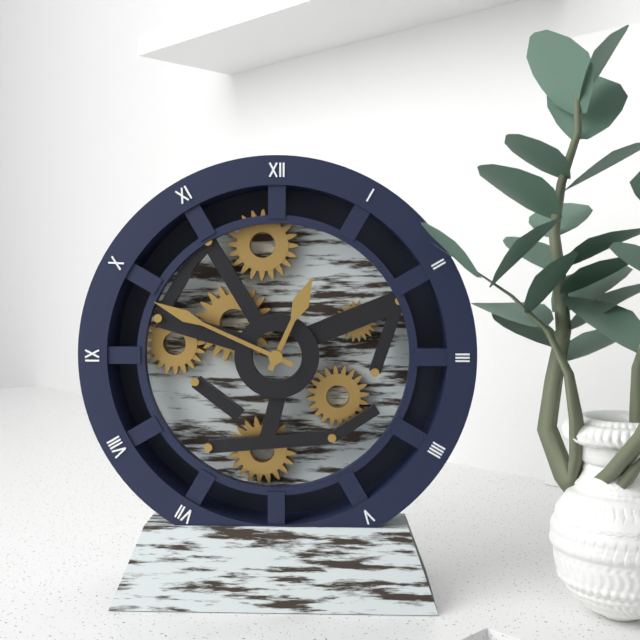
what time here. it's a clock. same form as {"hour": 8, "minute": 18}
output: {"hour": 12, "minute": 49}
